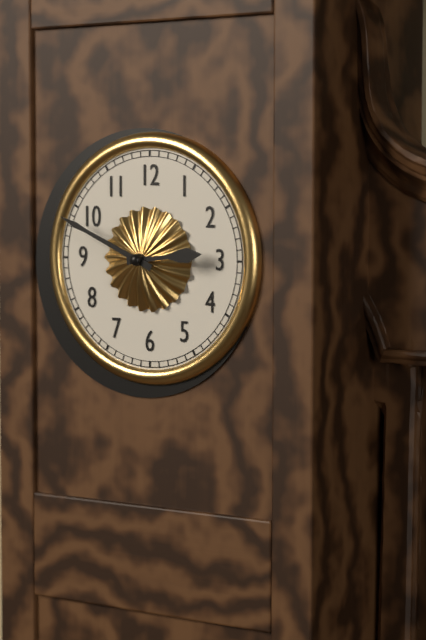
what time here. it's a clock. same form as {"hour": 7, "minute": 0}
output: {"hour": 2, "minute": 49}
